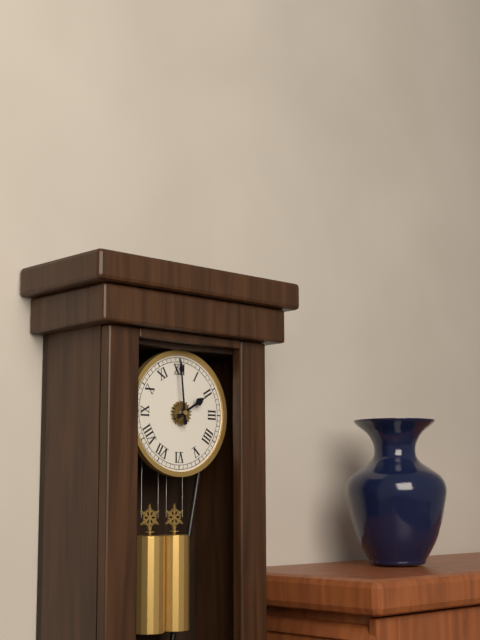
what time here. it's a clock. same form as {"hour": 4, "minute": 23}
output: {"hour": 1, "minute": 59}
